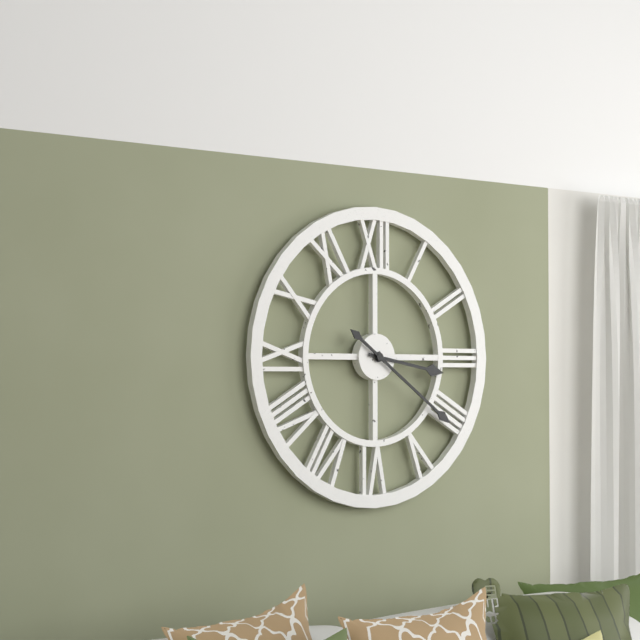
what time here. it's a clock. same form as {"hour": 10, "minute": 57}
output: {"hour": 3, "minute": 21}
